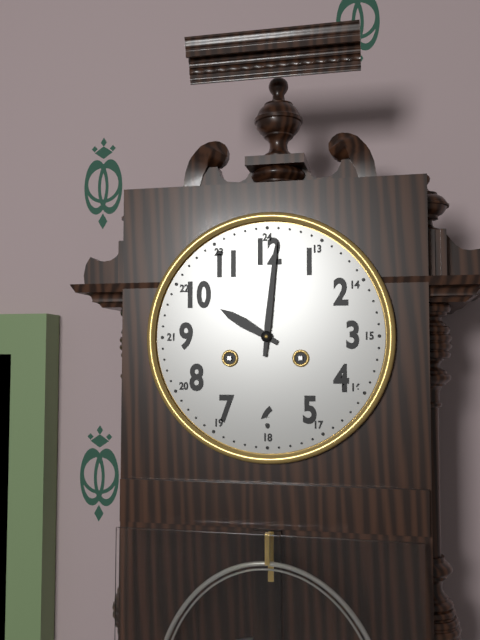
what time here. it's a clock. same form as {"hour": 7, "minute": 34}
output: {"hour": 10, "minute": 1}
